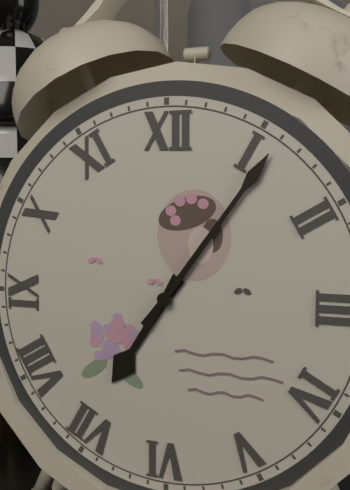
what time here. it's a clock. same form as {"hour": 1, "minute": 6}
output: {"hour": 7, "minute": 6}
